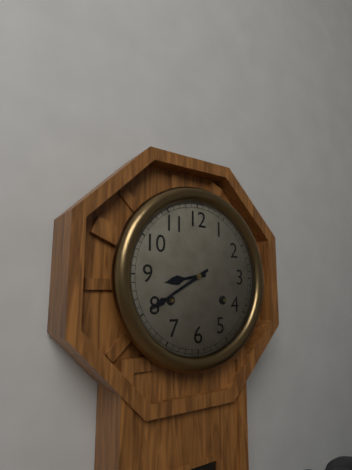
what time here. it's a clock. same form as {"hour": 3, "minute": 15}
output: {"hour": 8, "minute": 40}
